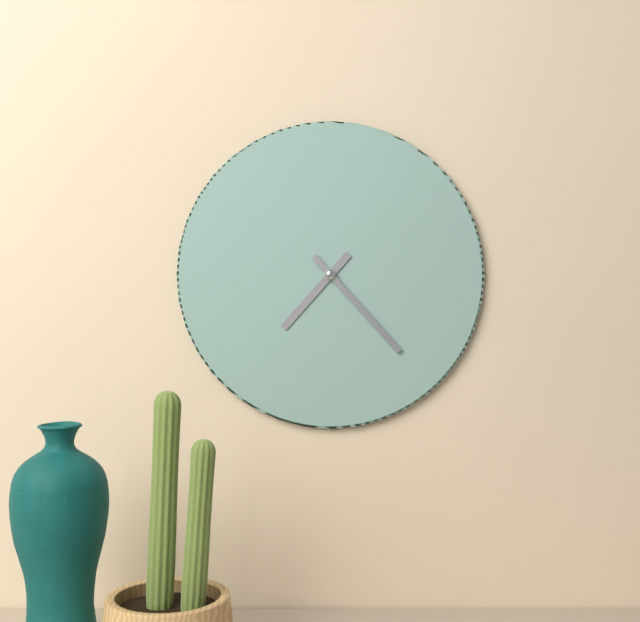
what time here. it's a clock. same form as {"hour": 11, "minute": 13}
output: {"hour": 7, "minute": 23}
